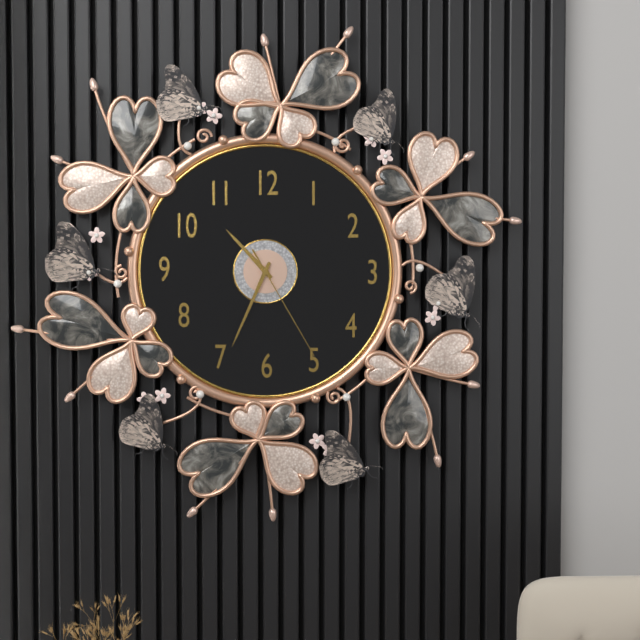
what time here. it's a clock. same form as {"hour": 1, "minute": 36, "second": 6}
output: {"hour": 10, "minute": 34, "second": 25}
